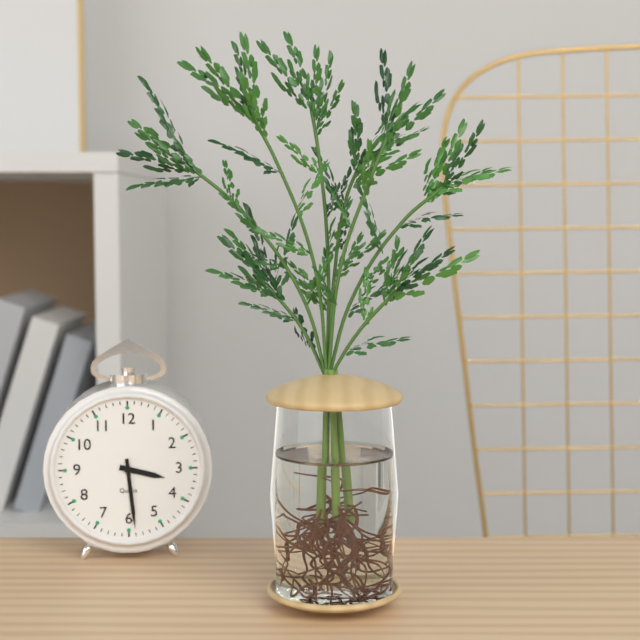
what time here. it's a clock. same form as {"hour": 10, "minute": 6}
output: {"hour": 3, "minute": 29}
